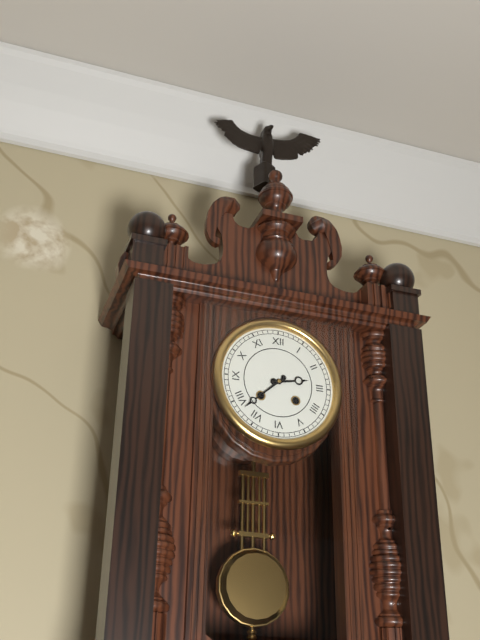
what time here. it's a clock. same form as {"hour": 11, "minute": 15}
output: {"hour": 2, "minute": 38}
